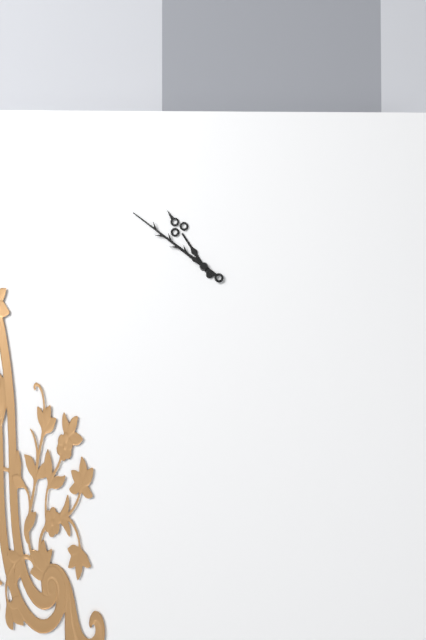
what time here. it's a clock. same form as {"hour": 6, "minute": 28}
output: {"hour": 10, "minute": 51}
